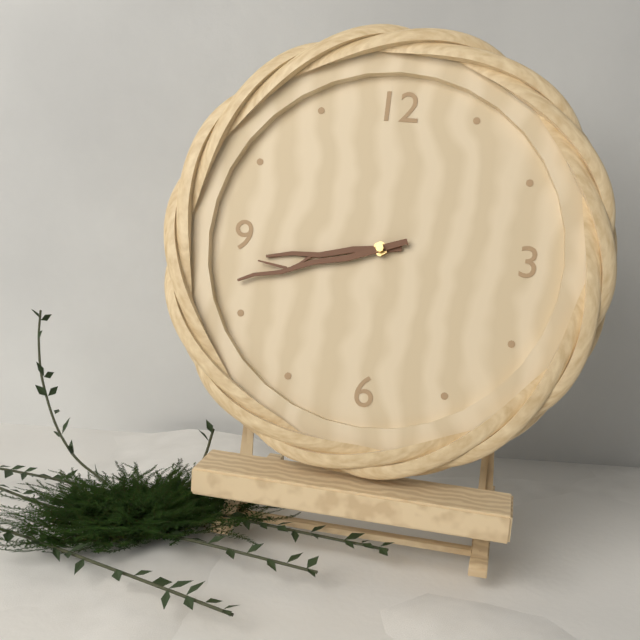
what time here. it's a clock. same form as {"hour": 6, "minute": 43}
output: {"hour": 8, "minute": 42}
